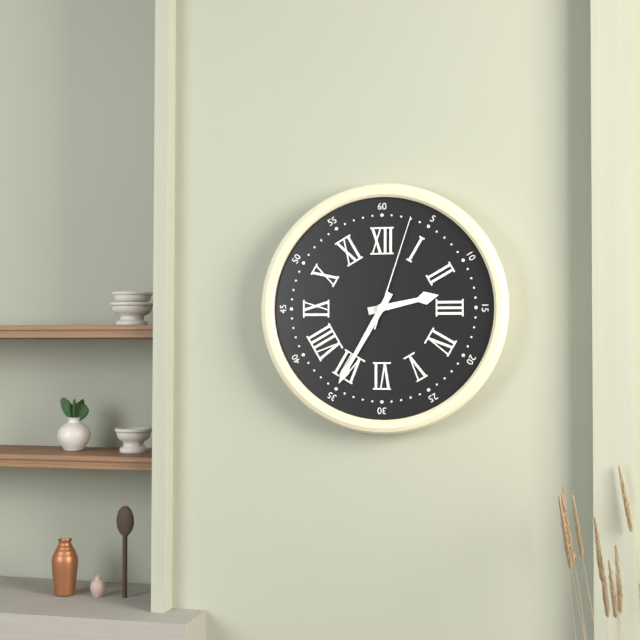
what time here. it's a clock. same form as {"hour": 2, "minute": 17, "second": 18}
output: {"hour": 2, "minute": 35, "second": 3}
